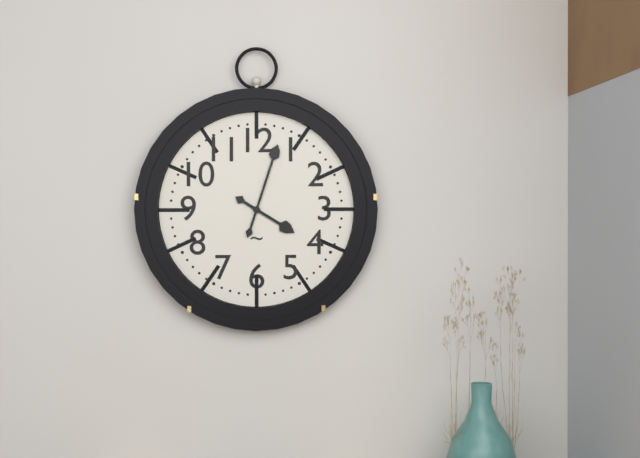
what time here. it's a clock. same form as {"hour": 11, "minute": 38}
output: {"hour": 4, "minute": 3}
